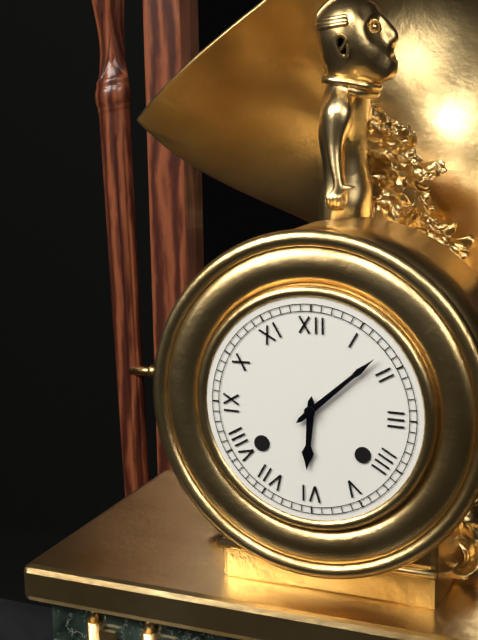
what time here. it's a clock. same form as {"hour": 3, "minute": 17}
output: {"hour": 6, "minute": 8}
